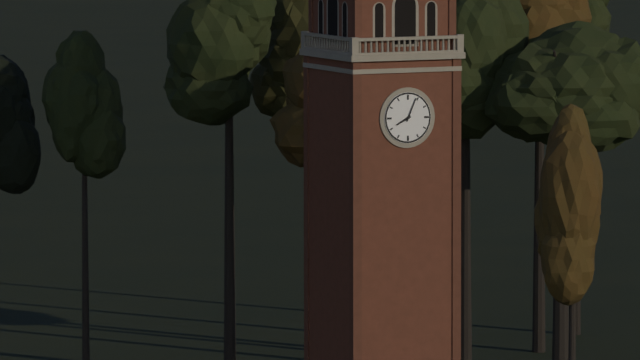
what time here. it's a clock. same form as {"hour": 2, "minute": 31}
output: {"hour": 8, "minute": 4}
